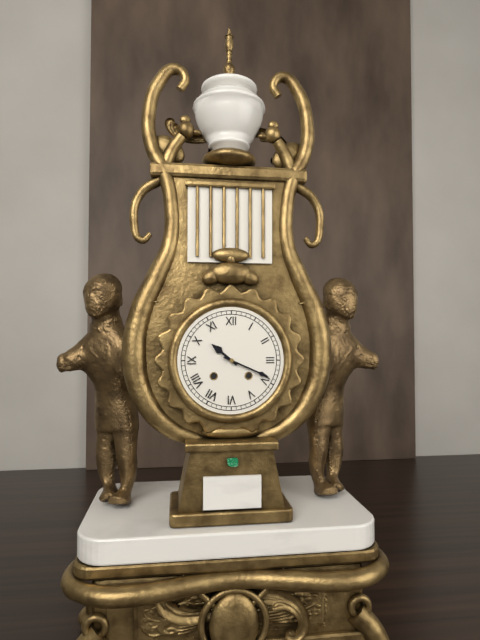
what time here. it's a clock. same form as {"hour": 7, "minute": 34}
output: {"hour": 10, "minute": 19}
